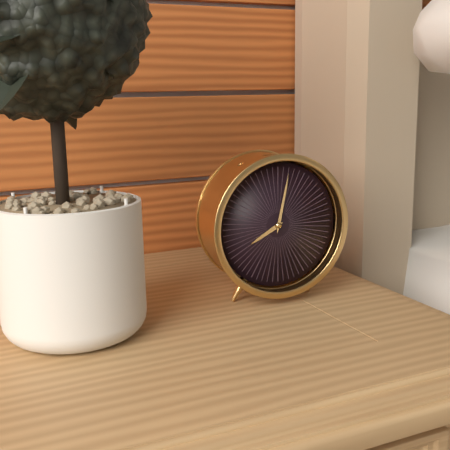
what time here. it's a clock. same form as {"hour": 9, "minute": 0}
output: {"hour": 8, "minute": 2}
